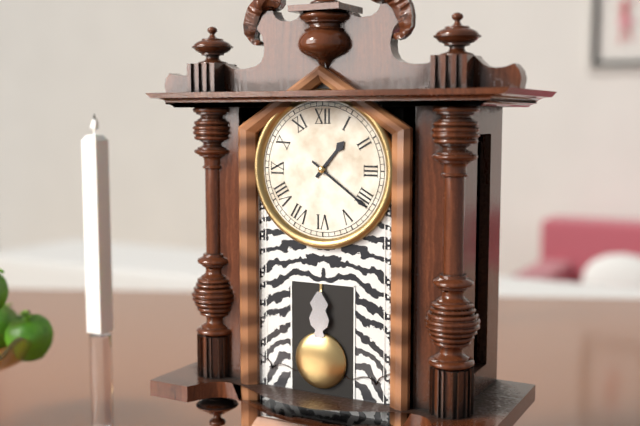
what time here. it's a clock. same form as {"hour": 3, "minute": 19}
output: {"hour": 1, "minute": 21}
